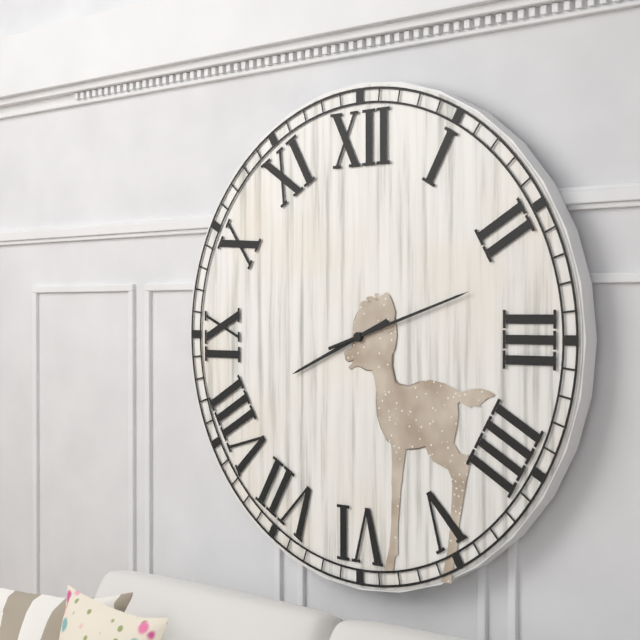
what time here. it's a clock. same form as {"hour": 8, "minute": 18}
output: {"hour": 8, "minute": 12}
